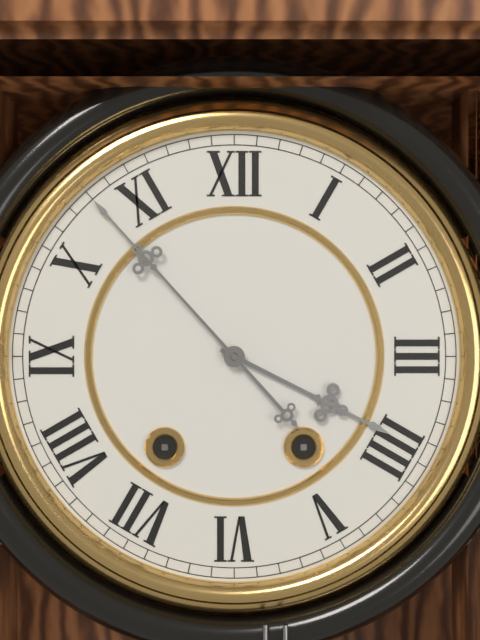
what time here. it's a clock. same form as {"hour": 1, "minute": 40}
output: {"hour": 3, "minute": 53}
